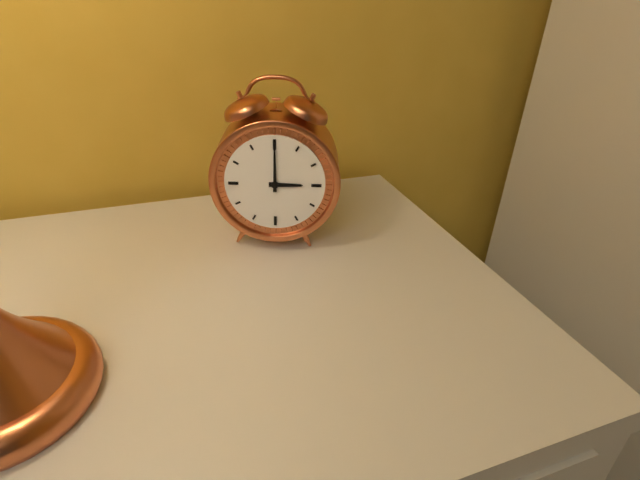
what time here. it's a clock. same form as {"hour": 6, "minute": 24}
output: {"hour": 3, "minute": 0}
